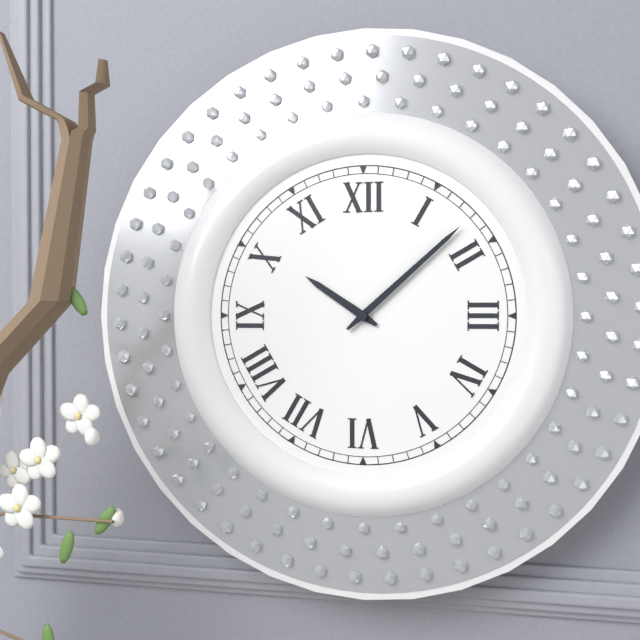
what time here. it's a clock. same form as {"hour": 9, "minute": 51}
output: {"hour": 10, "minute": 8}
